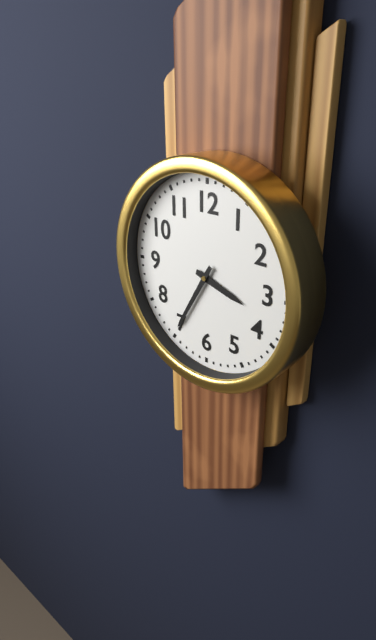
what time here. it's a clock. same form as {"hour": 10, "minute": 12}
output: {"hour": 3, "minute": 35}
